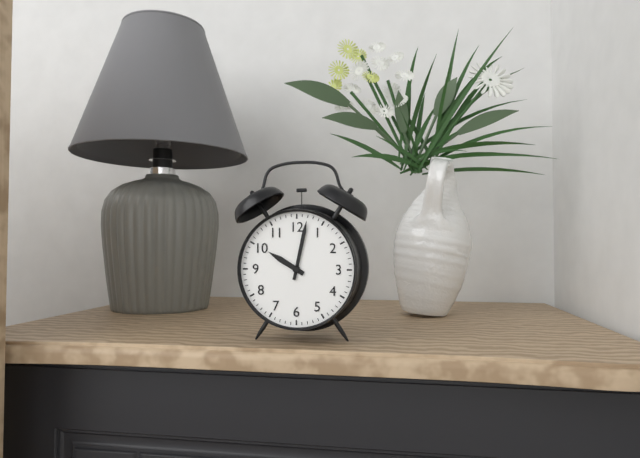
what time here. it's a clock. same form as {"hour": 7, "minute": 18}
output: {"hour": 10, "minute": 2}
